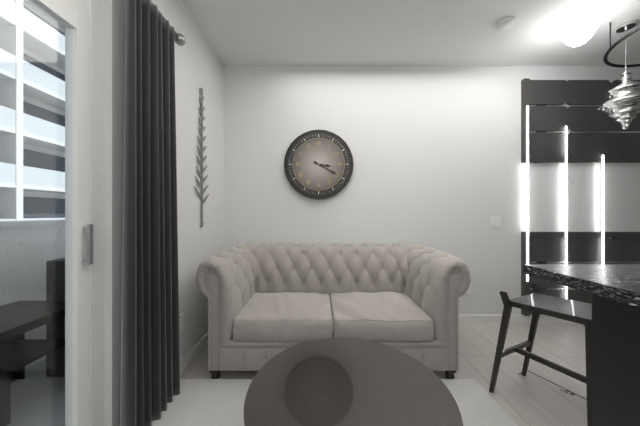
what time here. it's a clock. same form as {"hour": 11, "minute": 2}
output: {"hour": 3, "minute": 20}
